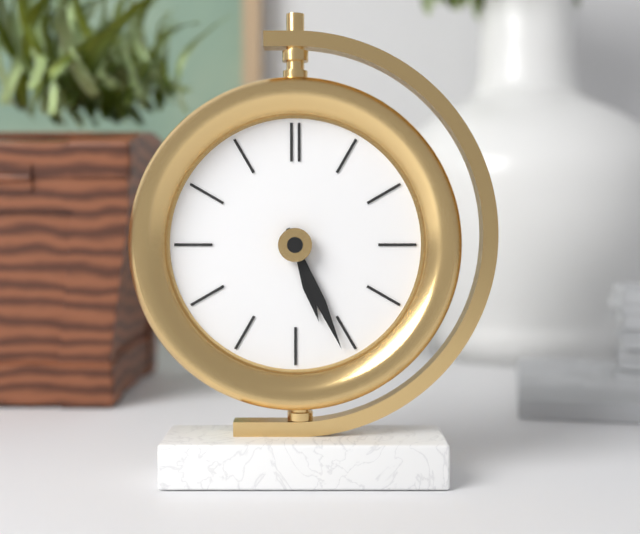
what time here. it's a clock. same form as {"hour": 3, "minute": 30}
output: {"hour": 5, "minute": 26}
